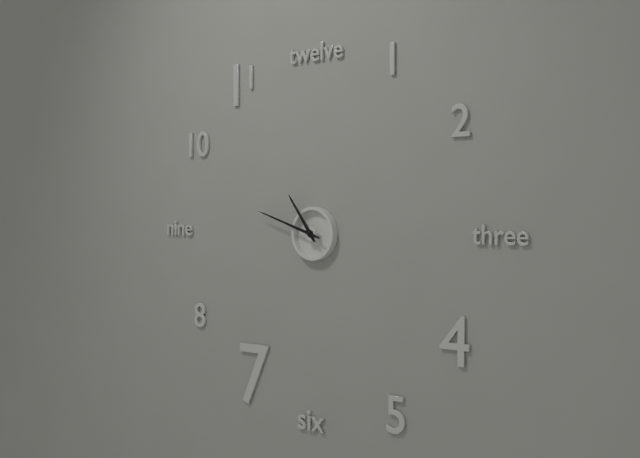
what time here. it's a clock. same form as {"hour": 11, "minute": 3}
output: {"hour": 10, "minute": 48}
